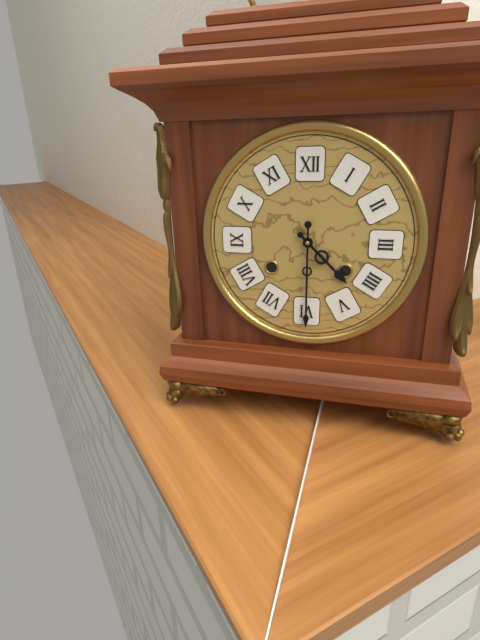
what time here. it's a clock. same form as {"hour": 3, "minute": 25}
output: {"hour": 4, "minute": 30}
